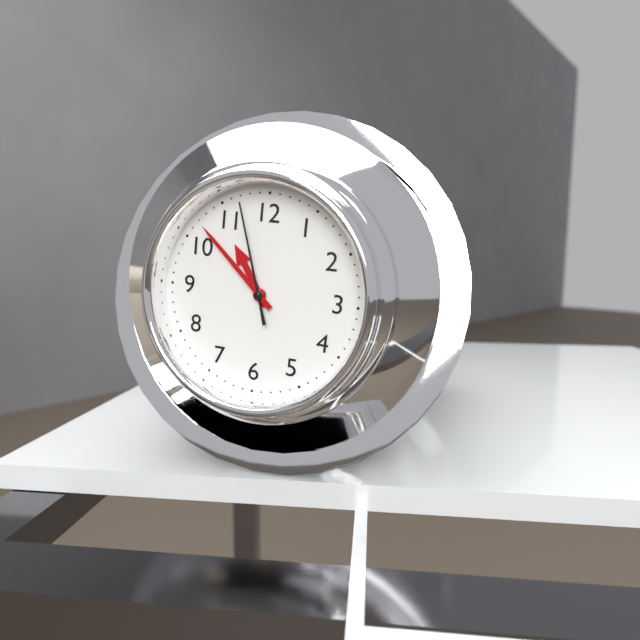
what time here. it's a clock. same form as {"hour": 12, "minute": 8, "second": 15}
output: {"hour": 10, "minute": 52, "second": 57}
